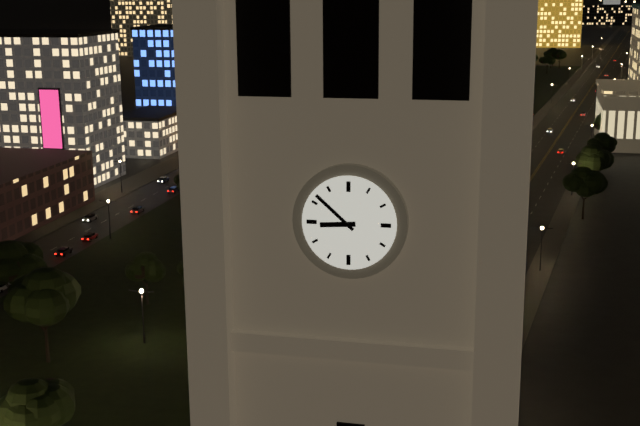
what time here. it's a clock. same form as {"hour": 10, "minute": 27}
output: {"hour": 8, "minute": 52}
